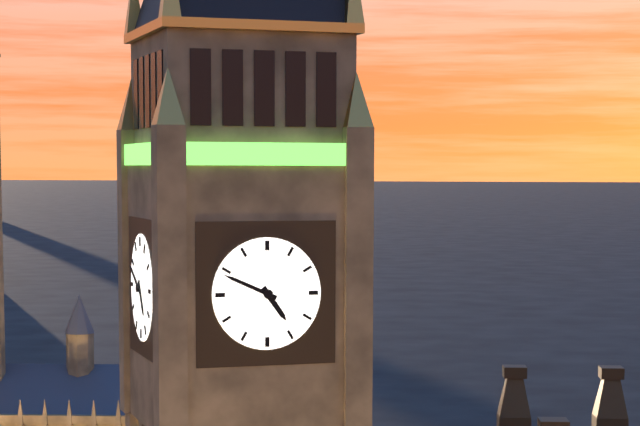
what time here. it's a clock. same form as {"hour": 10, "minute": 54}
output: {"hour": 4, "minute": 49}
